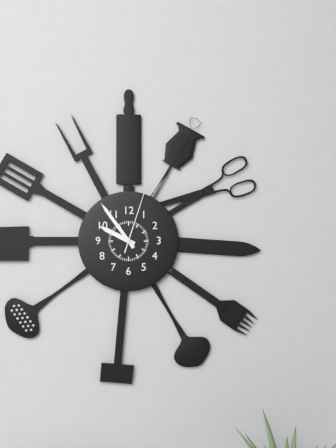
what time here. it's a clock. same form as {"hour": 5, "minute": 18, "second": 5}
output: {"hour": 9, "minute": 54, "second": 3}
